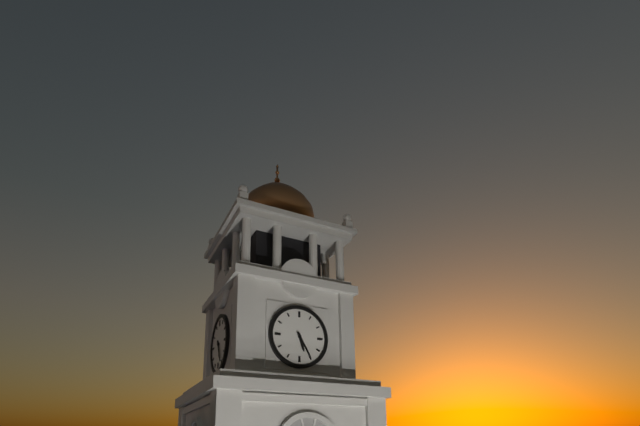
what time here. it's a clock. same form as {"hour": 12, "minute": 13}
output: {"hour": 5, "minute": 25}
